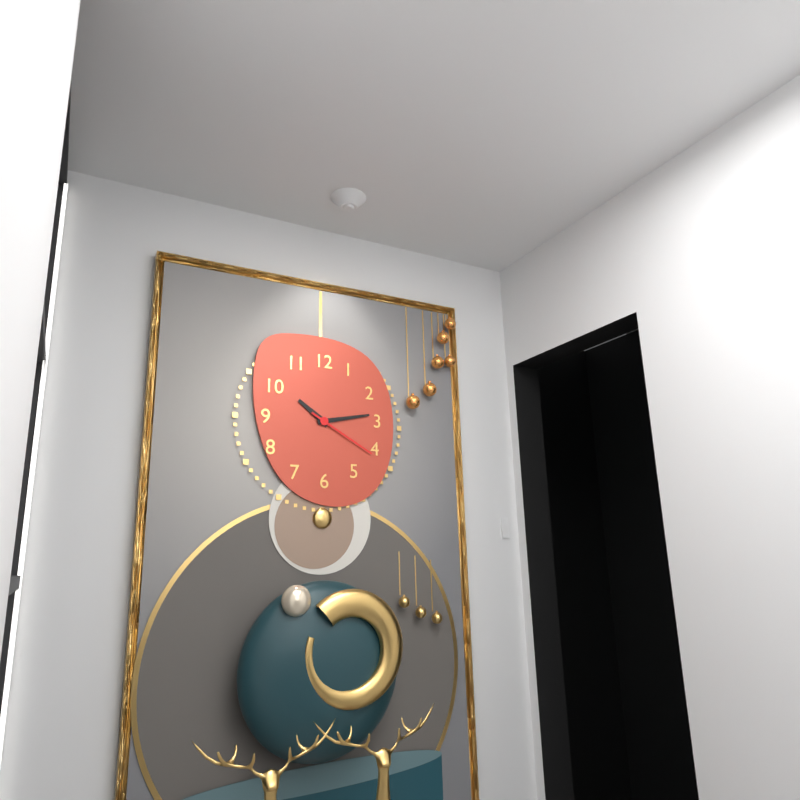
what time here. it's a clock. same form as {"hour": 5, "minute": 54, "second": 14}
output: {"hour": 10, "minute": 13, "second": 20}
